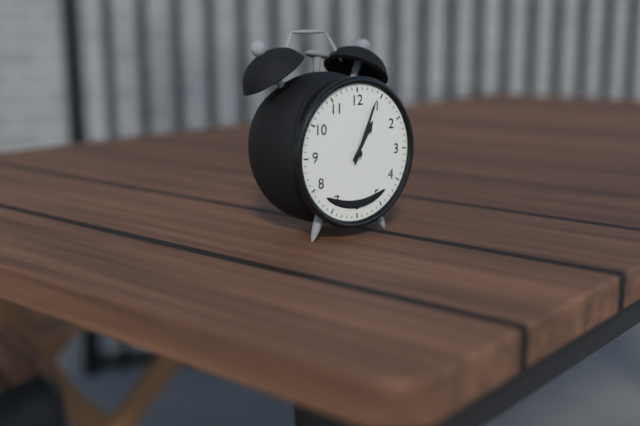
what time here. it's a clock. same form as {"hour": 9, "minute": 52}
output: {"hour": 1, "minute": 4}
